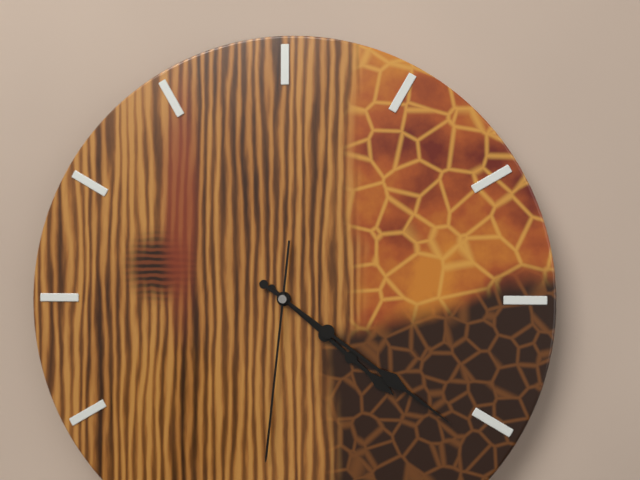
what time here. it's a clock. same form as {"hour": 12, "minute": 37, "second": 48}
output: {"hour": 4, "minute": 21, "second": 31}
